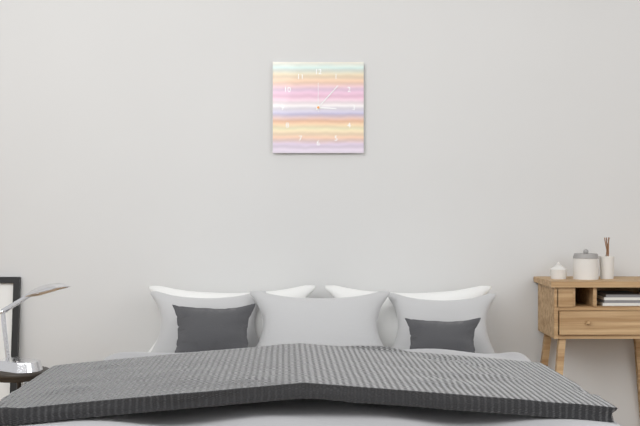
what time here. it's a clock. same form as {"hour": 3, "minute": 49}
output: {"hour": 3, "minute": 7}
